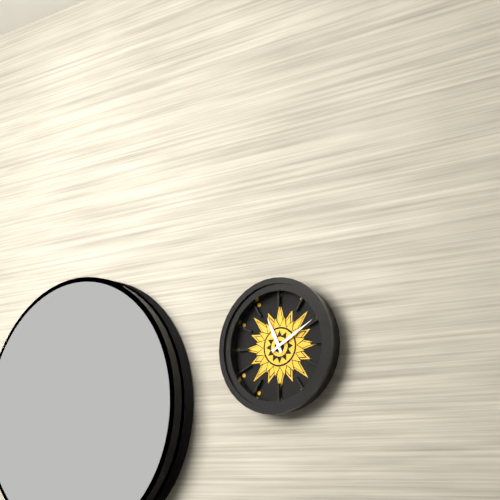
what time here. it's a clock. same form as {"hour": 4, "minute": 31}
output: {"hour": 11, "minute": 10}
